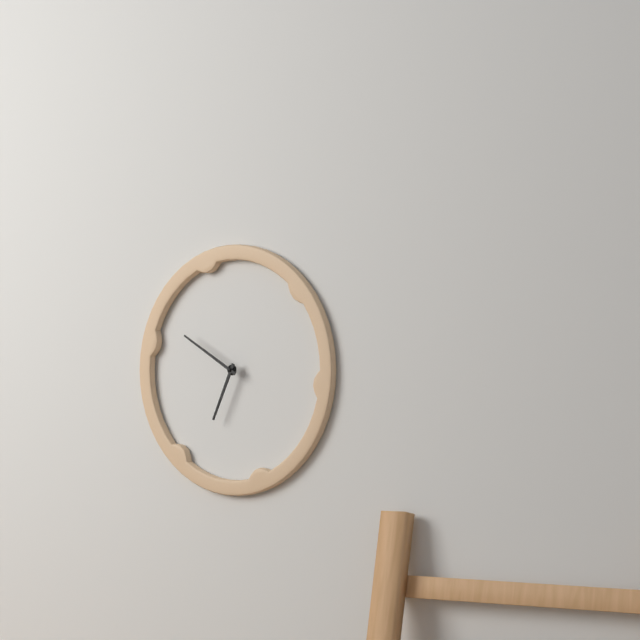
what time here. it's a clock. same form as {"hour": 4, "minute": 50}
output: {"hour": 6, "minute": 50}
